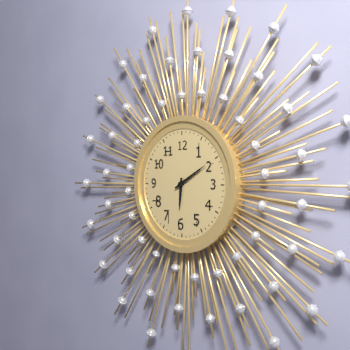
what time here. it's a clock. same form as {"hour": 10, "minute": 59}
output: {"hour": 6, "minute": 10}
